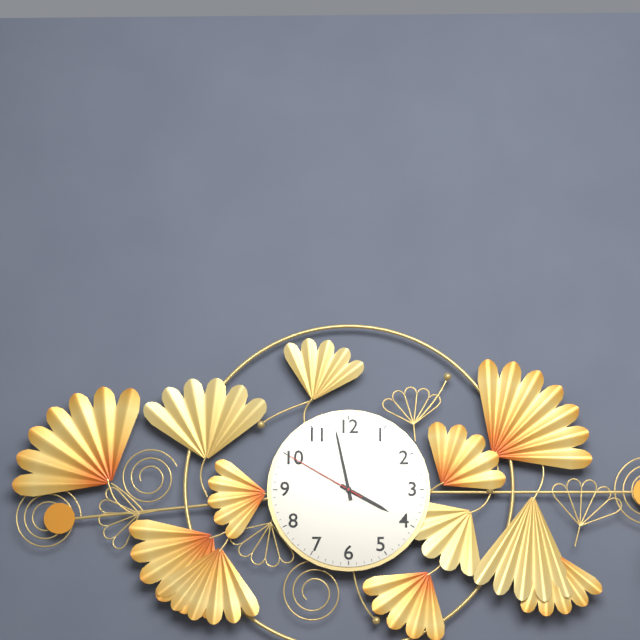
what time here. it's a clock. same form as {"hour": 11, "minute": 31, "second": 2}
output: {"hour": 3, "minute": 58, "second": 50}
